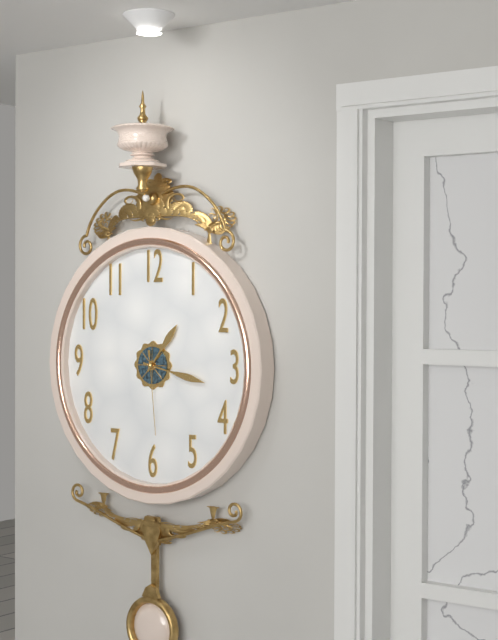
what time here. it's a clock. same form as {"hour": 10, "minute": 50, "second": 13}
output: {"hour": 1, "minute": 17, "second": 29}
